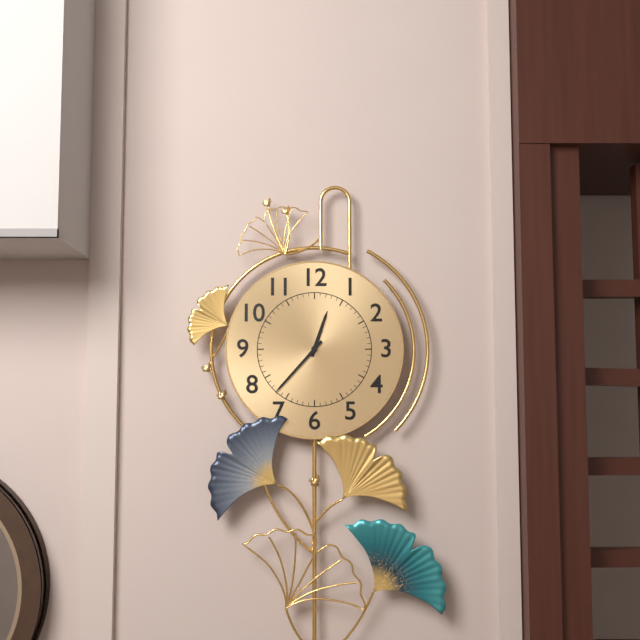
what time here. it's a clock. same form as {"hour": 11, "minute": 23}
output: {"hour": 12, "minute": 37}
